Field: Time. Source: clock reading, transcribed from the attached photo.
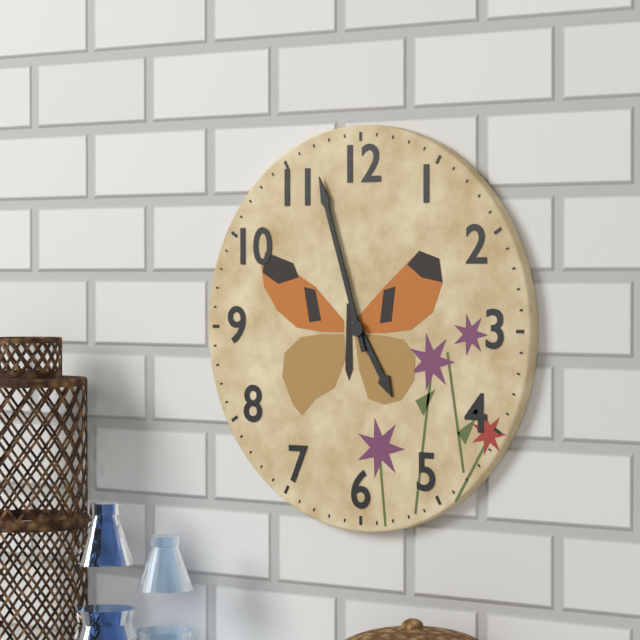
4:57
